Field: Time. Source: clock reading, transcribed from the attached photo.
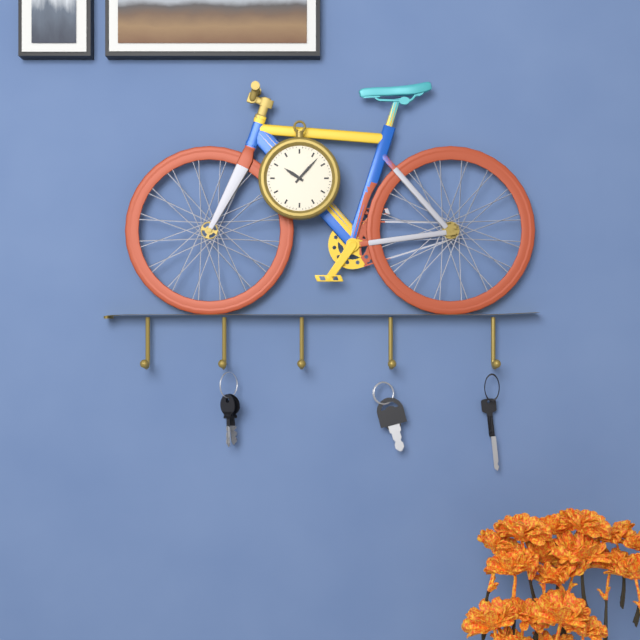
10:07
